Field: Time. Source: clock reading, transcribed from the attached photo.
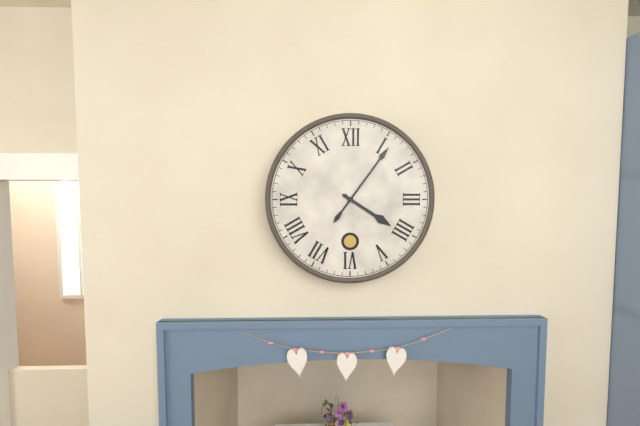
4:06
